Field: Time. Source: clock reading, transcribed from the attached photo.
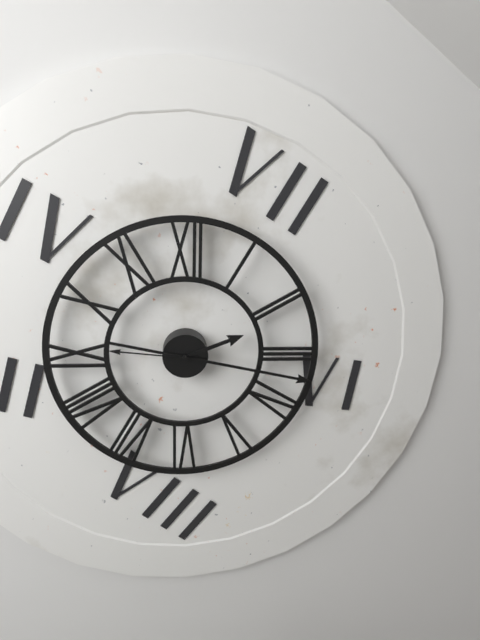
2:17:46
